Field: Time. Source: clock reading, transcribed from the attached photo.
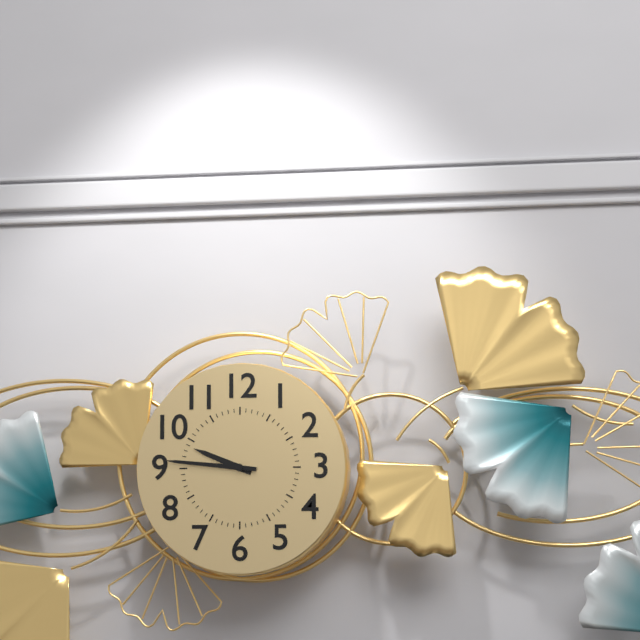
9:46
